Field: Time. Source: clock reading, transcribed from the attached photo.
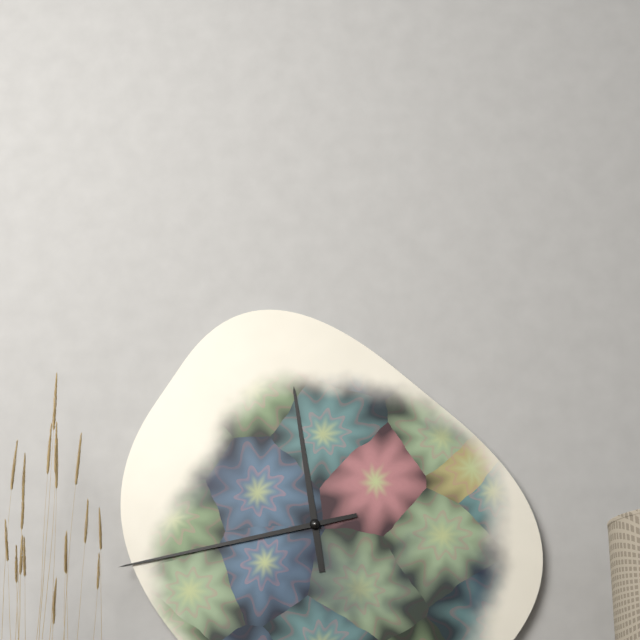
11:43
